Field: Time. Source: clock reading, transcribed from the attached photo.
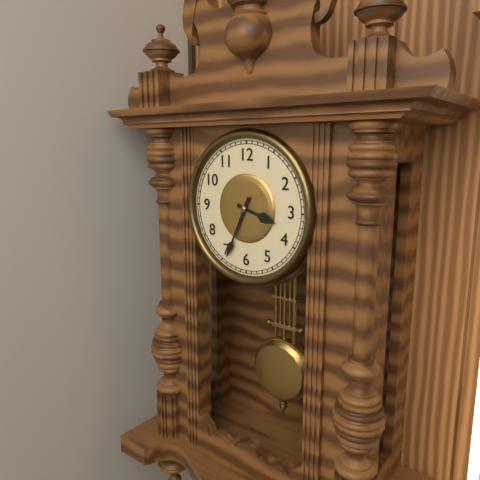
3:34
